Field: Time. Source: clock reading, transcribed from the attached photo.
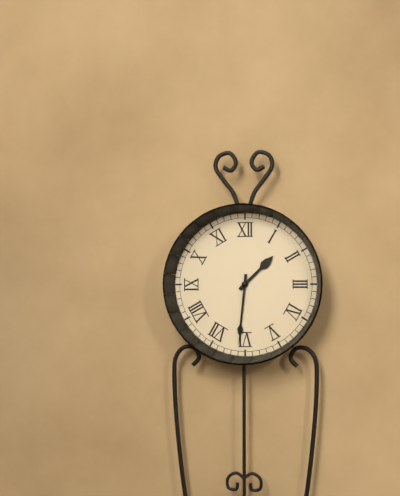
1:31
